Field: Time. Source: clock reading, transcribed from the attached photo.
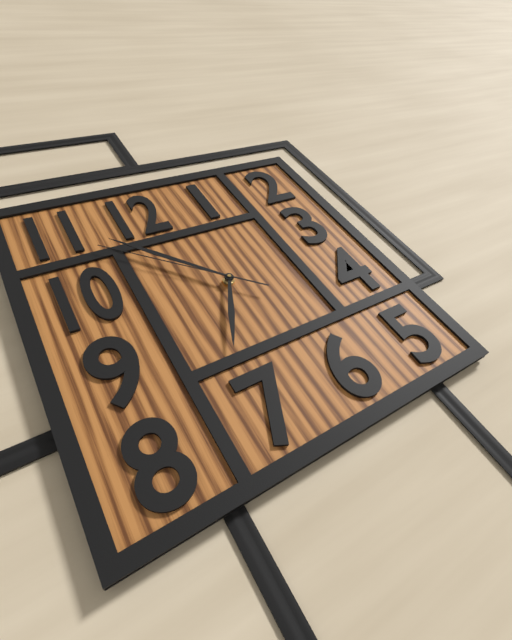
6:53:52
